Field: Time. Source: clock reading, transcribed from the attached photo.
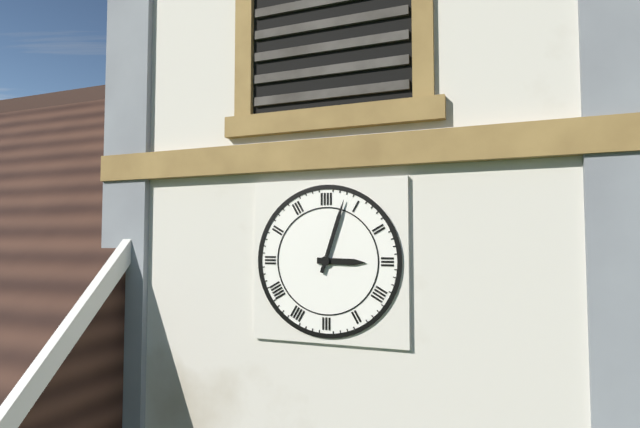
3:03
